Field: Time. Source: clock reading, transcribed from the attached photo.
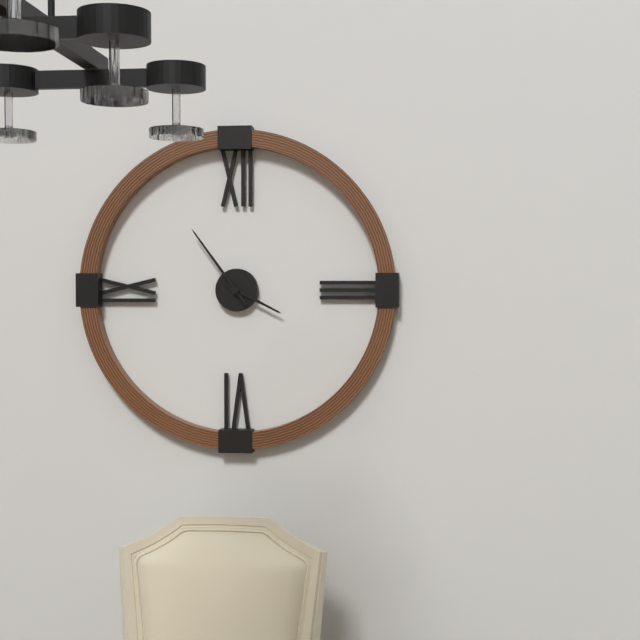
3:54
